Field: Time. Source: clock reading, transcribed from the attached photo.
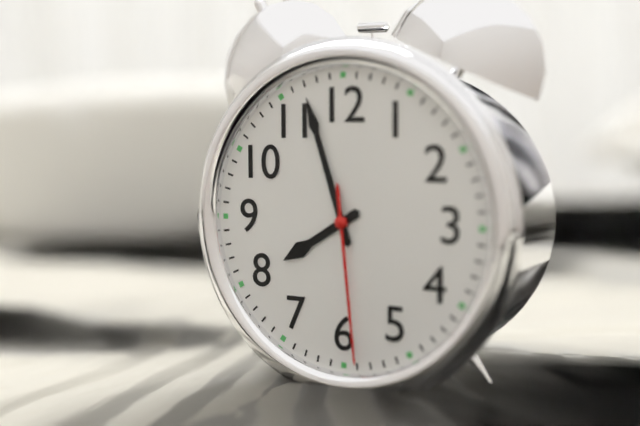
7:57:29
